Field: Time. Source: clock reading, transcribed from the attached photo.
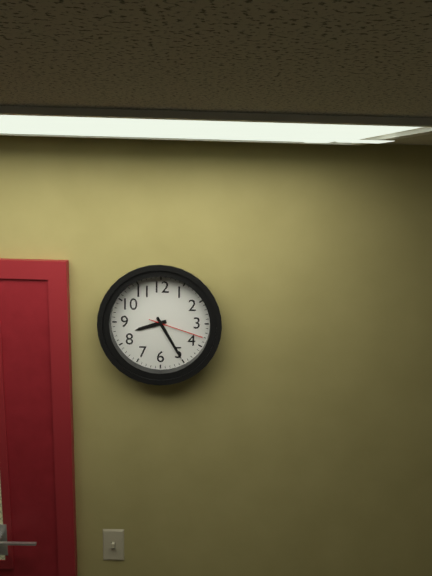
8:25:18
